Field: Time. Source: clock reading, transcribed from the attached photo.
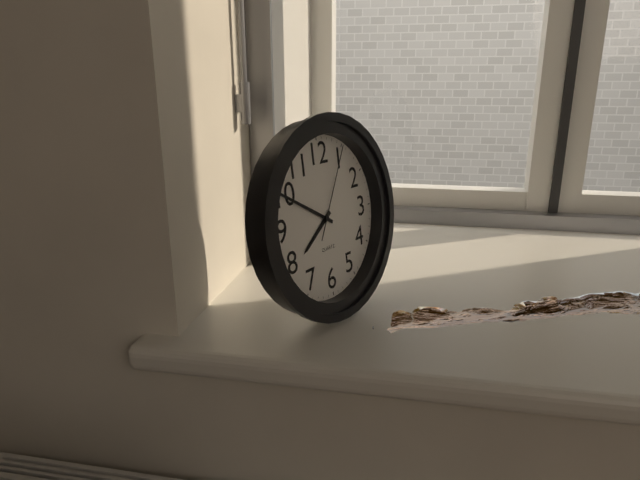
7:50:05
